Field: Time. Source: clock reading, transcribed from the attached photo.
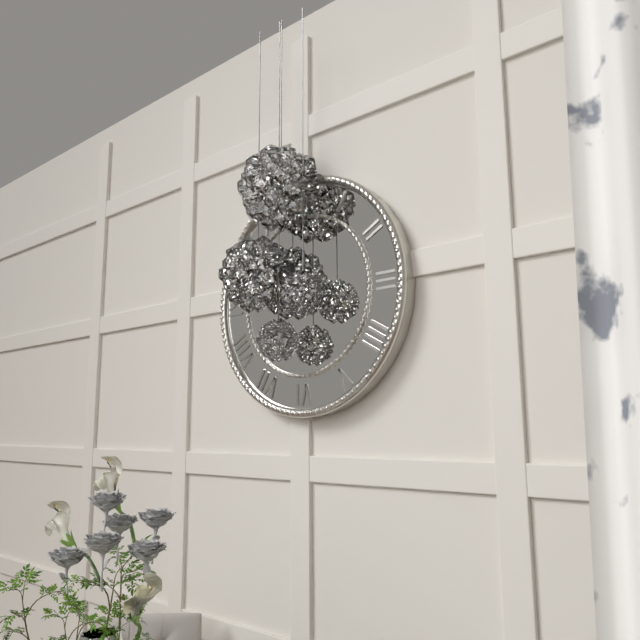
10:46
